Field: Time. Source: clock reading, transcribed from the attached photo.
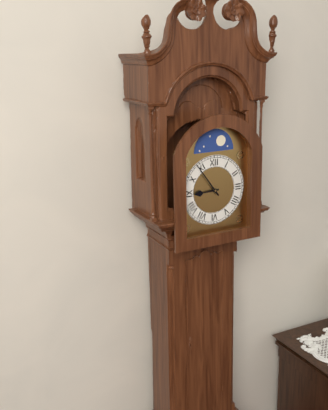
8:54
